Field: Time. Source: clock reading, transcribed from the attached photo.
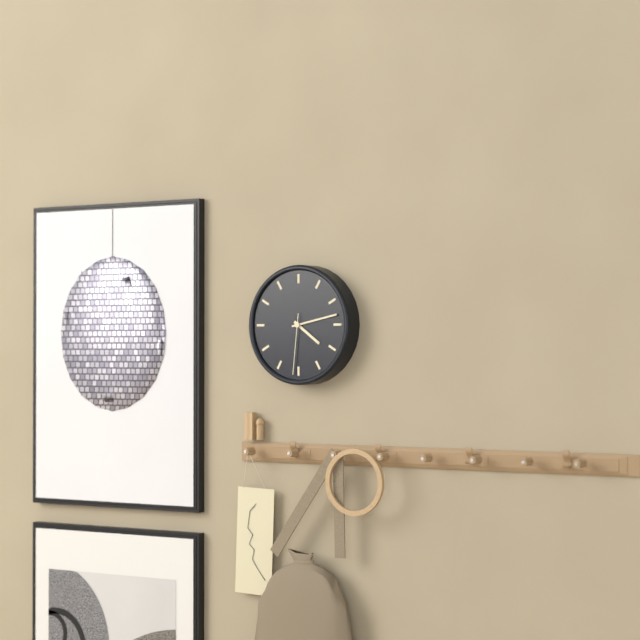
4:13:31
